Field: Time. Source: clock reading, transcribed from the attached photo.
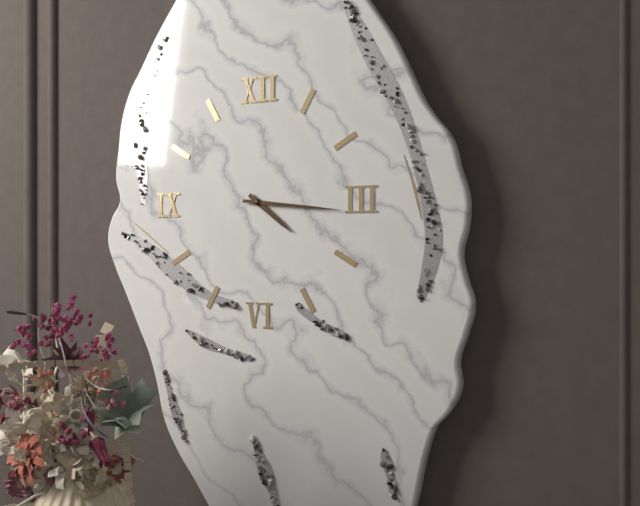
4:16
